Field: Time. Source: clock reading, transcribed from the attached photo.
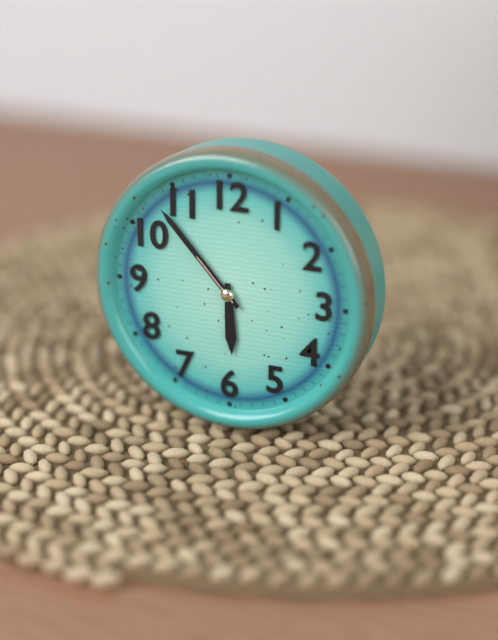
5:53:53
